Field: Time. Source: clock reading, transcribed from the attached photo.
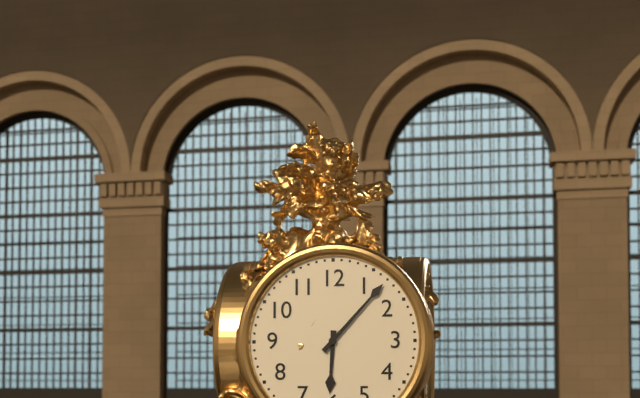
6:07
